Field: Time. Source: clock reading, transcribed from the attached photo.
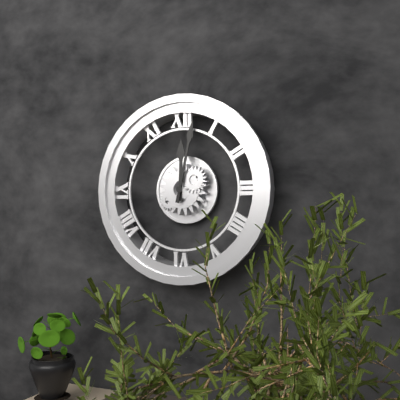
12:02
